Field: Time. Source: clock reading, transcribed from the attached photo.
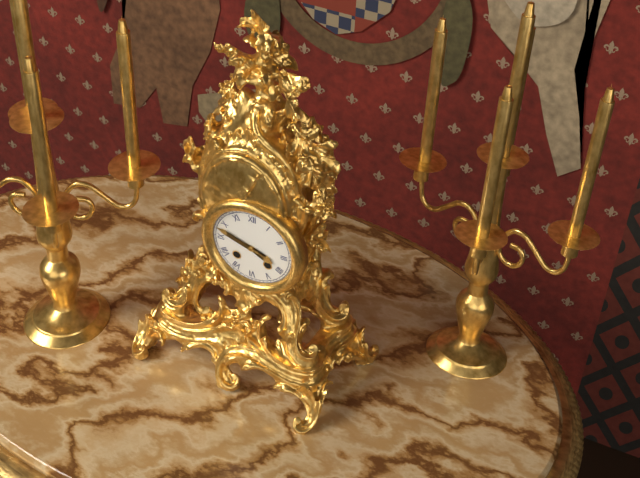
3:48
